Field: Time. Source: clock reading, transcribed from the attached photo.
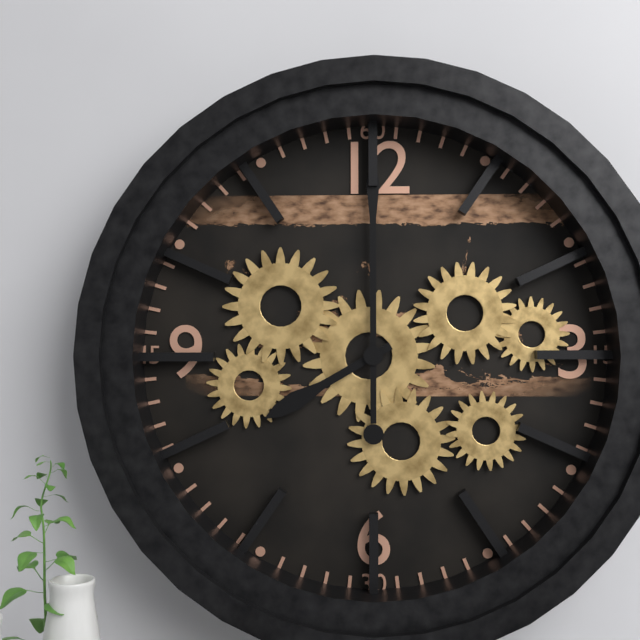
8:00
